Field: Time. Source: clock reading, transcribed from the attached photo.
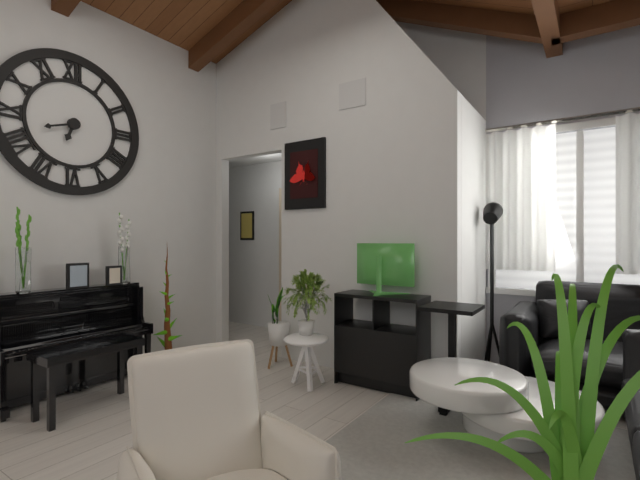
6:42
